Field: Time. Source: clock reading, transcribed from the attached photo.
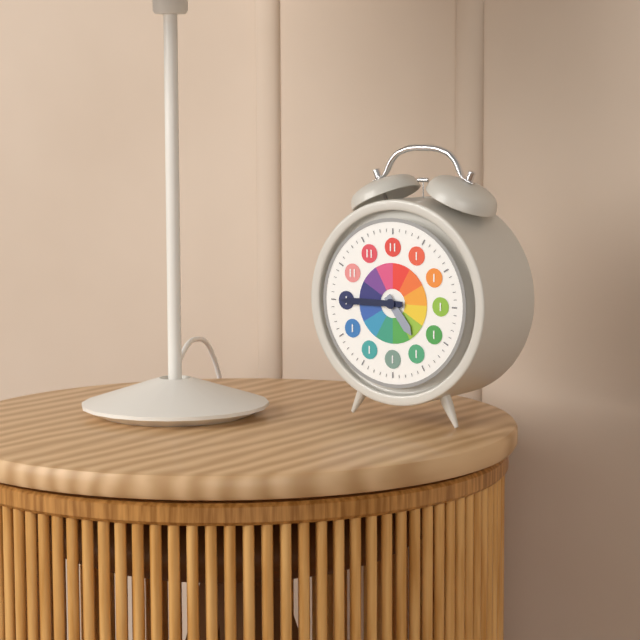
4:45
